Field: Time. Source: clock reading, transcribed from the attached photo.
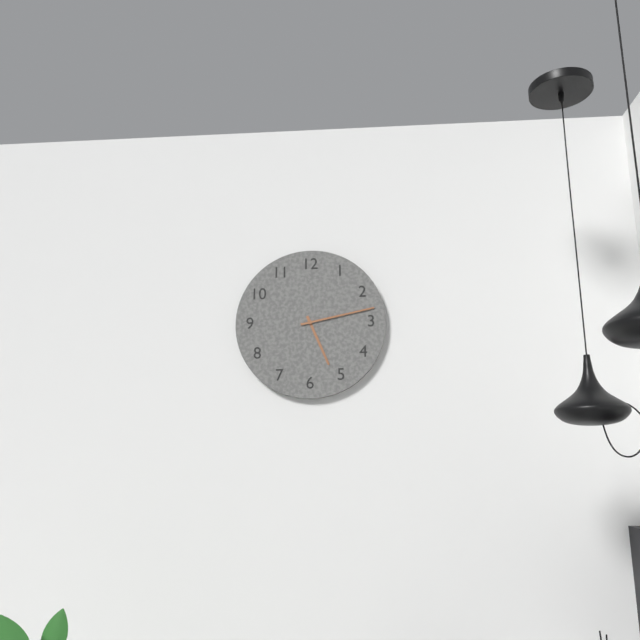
5:13
